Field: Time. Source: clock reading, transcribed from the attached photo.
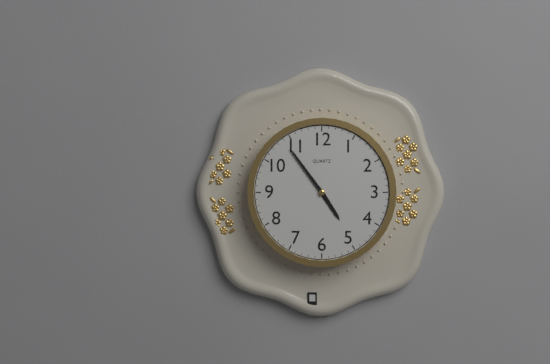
4:54
